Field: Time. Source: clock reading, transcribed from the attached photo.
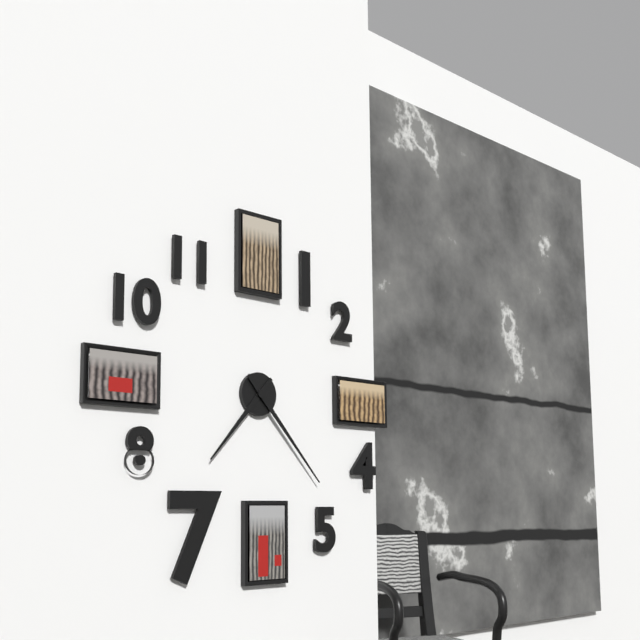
7:23
